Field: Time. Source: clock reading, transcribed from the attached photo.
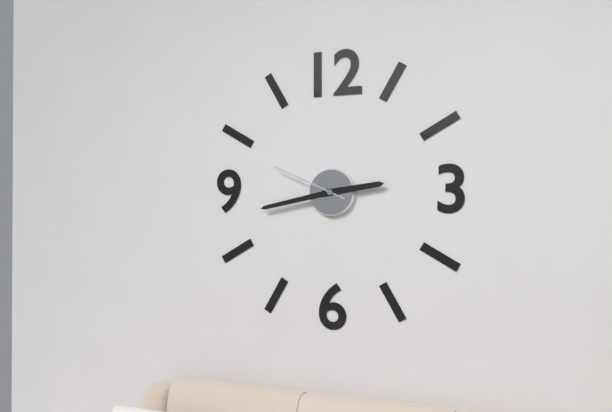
2:43:49
